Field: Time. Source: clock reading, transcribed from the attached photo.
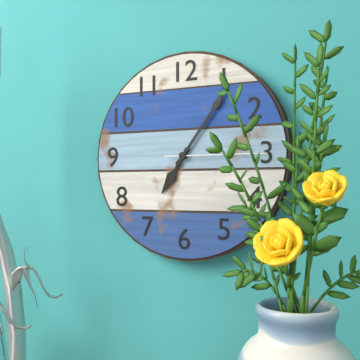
7:06:15
